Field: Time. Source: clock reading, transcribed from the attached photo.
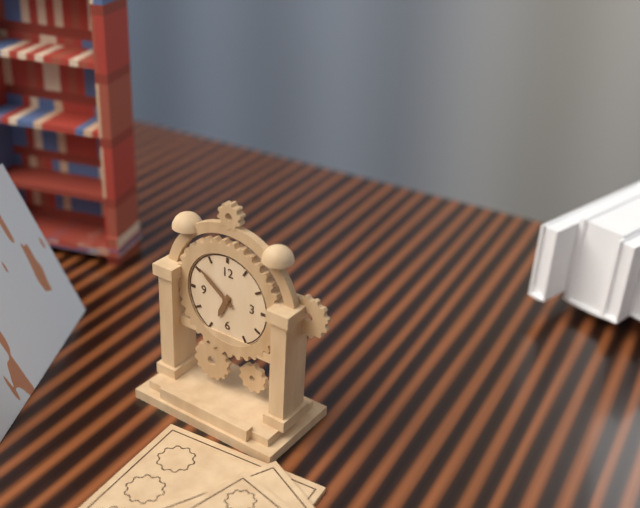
6:51
